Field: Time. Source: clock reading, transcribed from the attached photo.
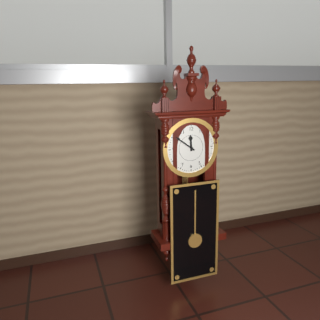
11:51
